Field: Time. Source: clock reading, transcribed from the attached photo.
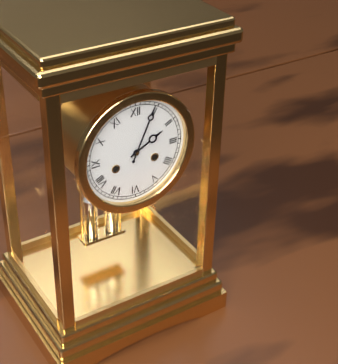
2:04
